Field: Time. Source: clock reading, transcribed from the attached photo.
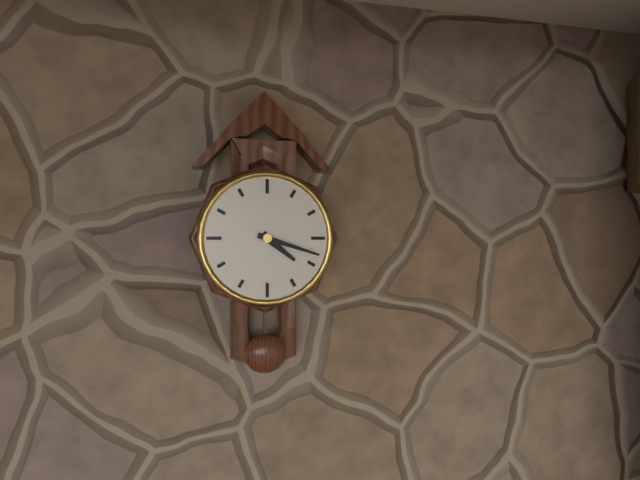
4:18
